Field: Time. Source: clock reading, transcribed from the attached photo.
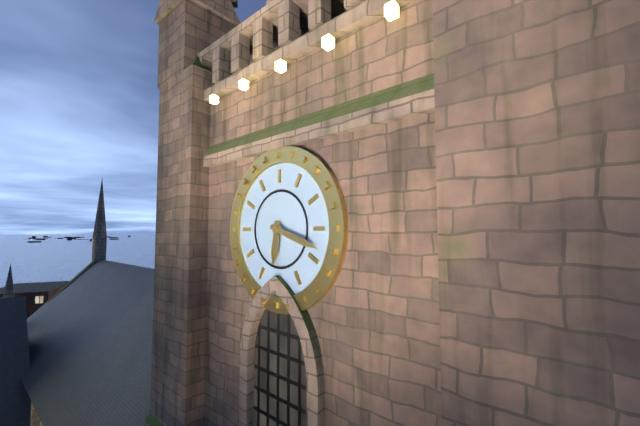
6:18
